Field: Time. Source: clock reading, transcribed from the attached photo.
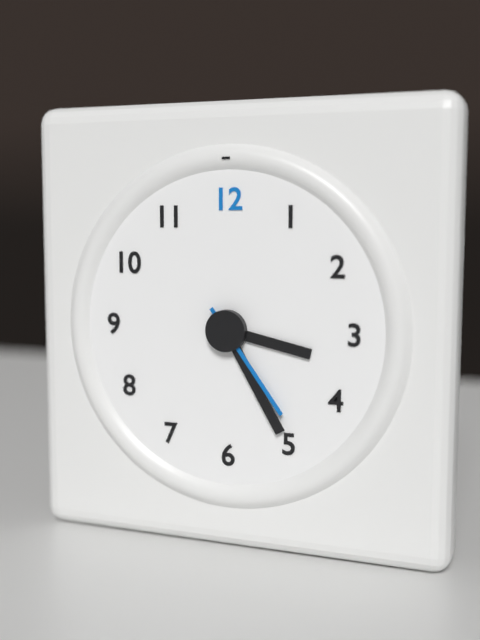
3:25:24
